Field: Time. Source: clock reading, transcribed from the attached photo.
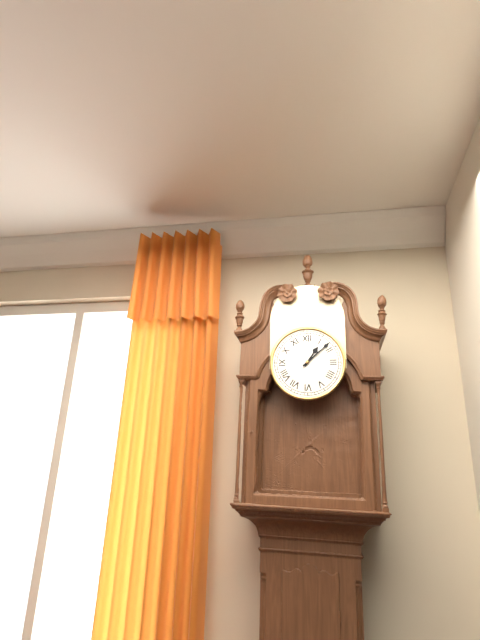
1:08
